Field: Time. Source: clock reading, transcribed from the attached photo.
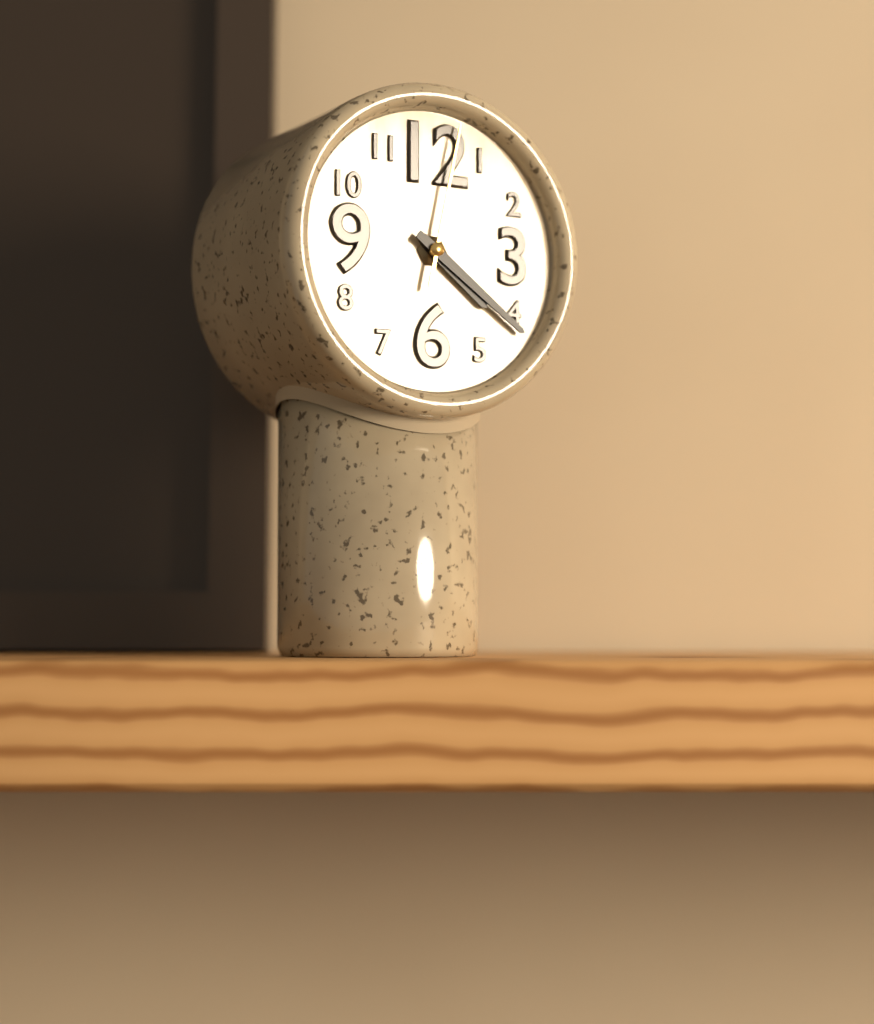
4:21:02
